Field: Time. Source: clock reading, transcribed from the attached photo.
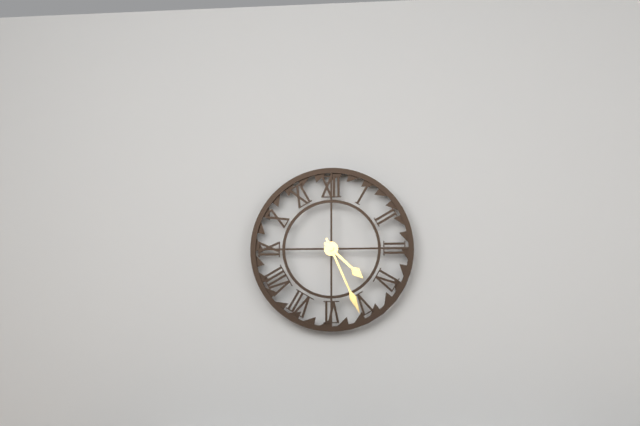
4:26
